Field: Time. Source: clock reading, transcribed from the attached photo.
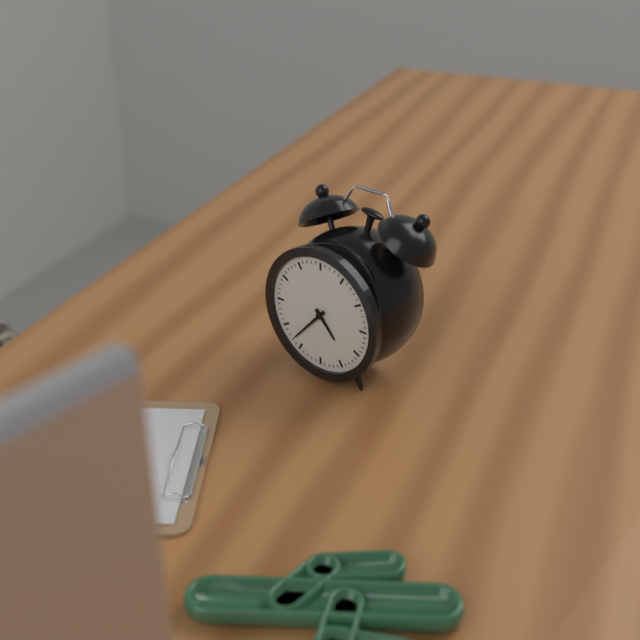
4:37
